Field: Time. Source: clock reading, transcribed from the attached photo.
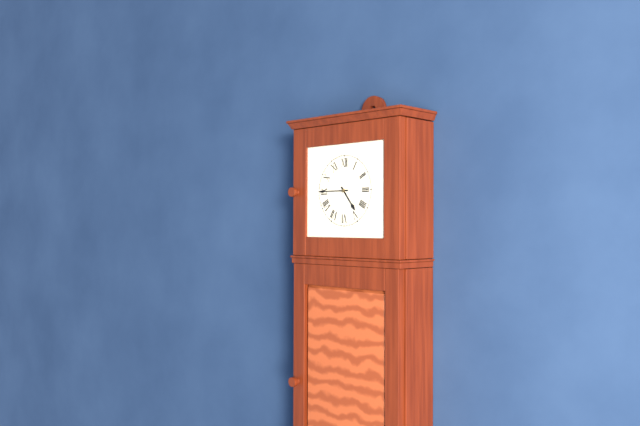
4:45
